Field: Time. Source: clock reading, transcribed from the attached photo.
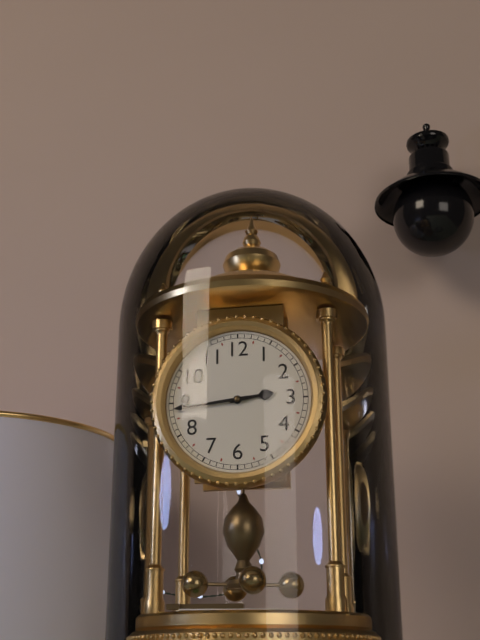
2:44
